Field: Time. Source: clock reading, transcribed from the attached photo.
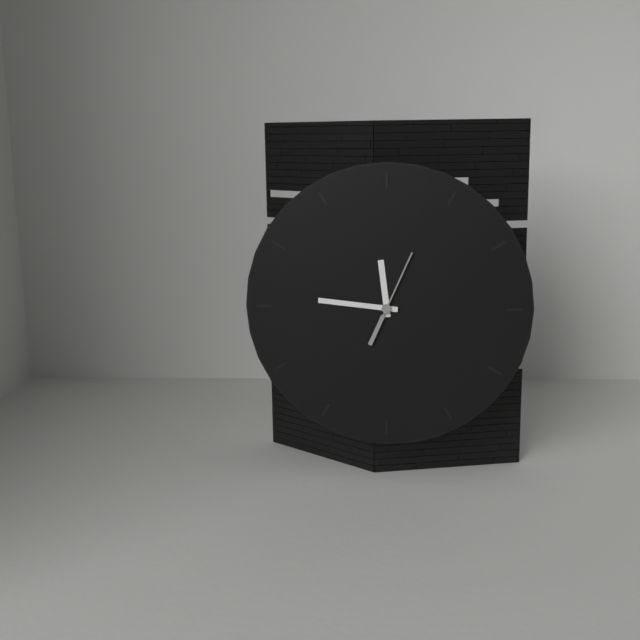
11:46:04
